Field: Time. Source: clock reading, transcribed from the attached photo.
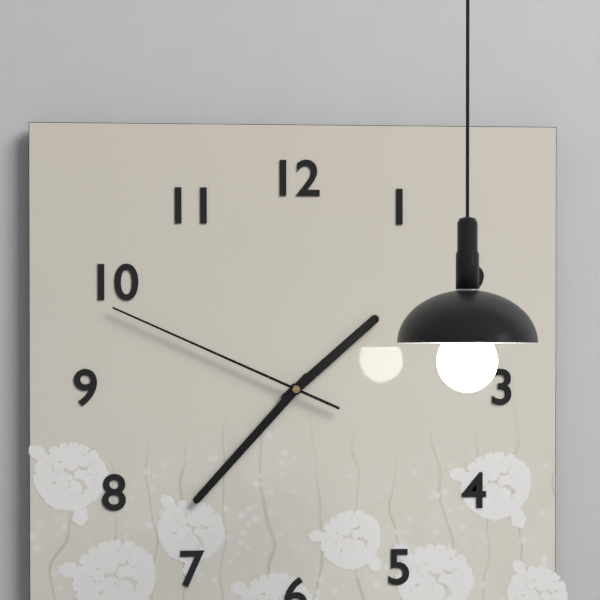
1:37:49
